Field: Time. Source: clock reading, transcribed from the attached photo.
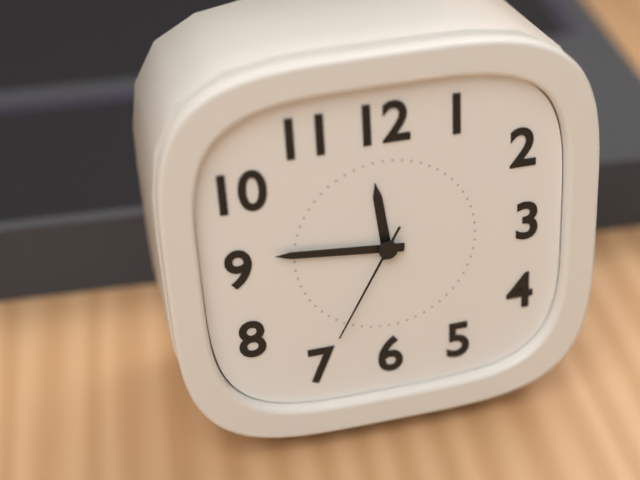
11:46:35
